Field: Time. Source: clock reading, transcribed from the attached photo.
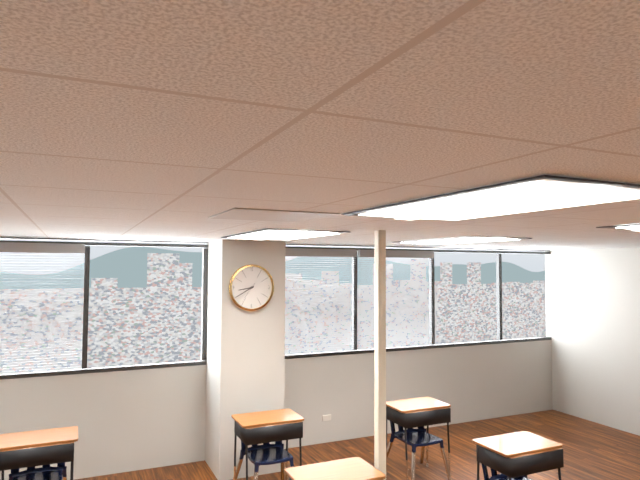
8:40
